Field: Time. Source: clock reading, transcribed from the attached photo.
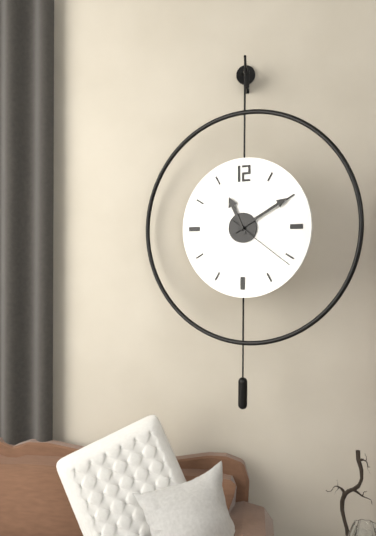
11:10:21
